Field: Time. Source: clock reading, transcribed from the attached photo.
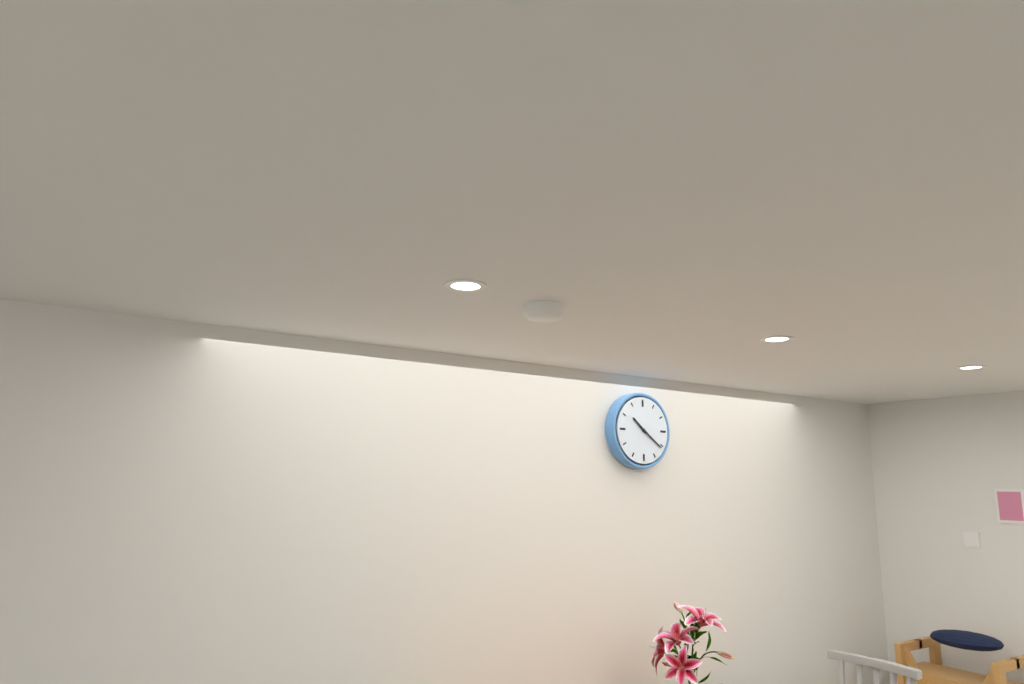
10:21
